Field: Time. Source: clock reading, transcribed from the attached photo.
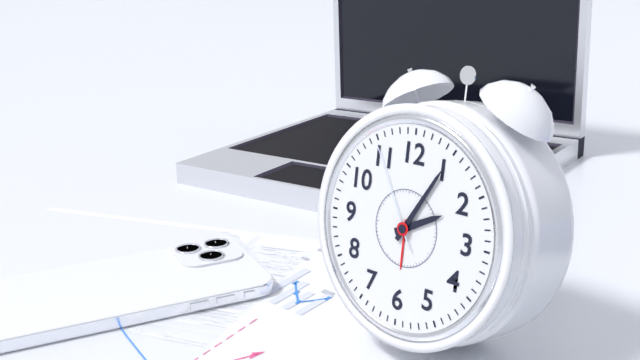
2:05:55
